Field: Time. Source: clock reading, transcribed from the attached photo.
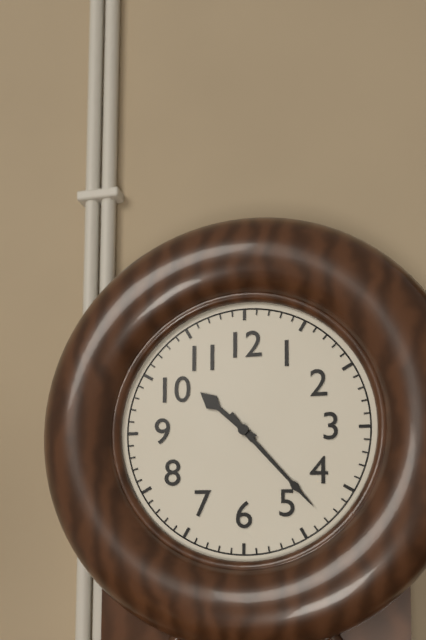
10:23
